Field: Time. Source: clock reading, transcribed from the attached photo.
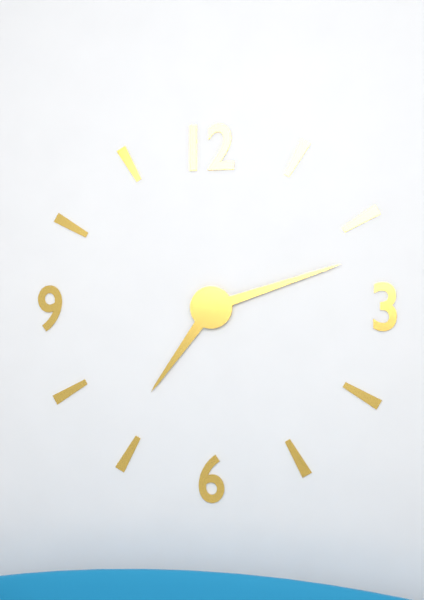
7:12
